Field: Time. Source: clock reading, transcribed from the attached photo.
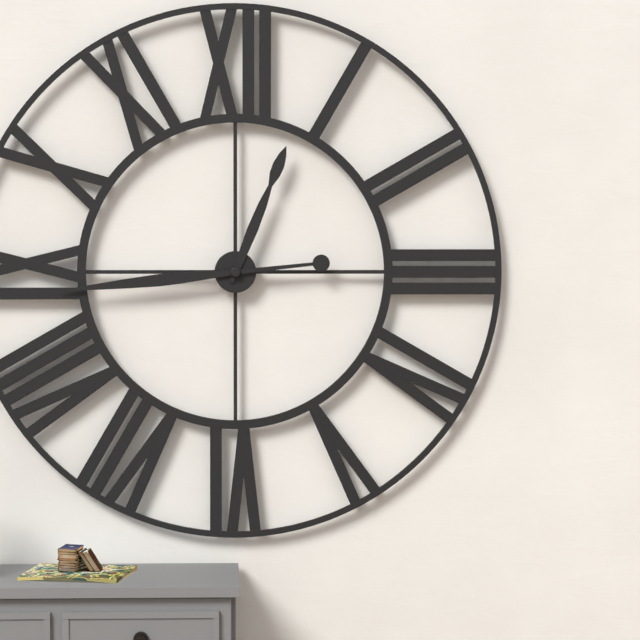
12:44
